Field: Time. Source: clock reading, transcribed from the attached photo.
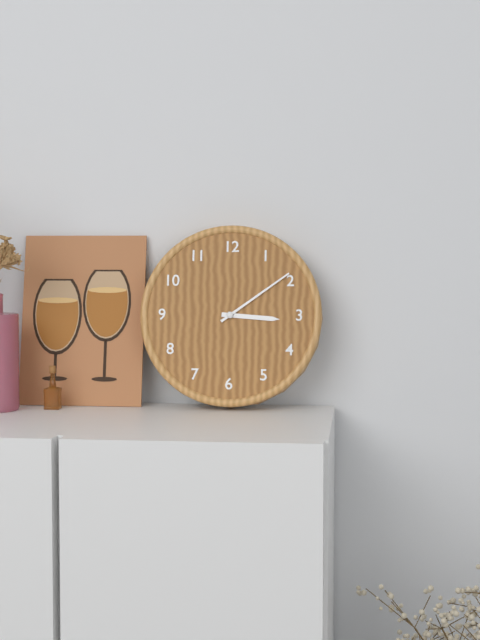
3:09
